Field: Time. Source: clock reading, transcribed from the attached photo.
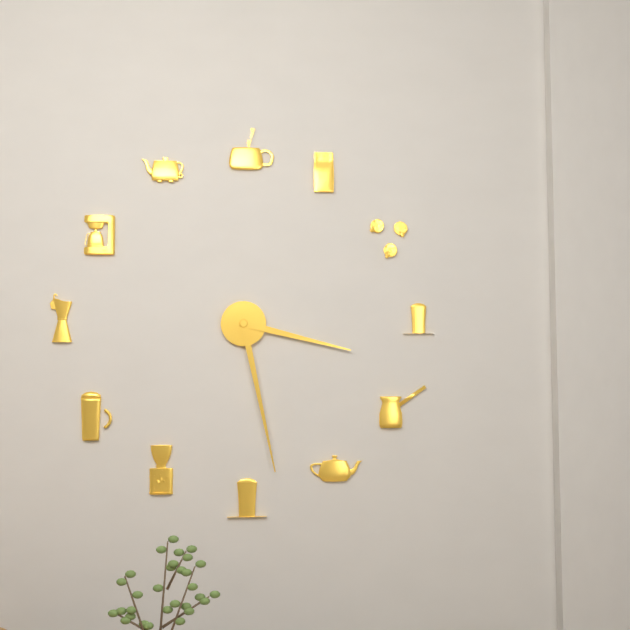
3:28
